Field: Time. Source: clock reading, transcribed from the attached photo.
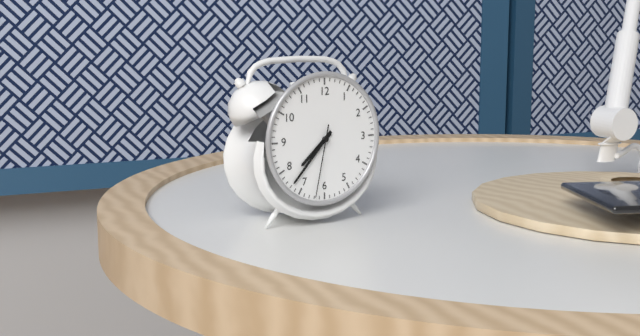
7:37:32
